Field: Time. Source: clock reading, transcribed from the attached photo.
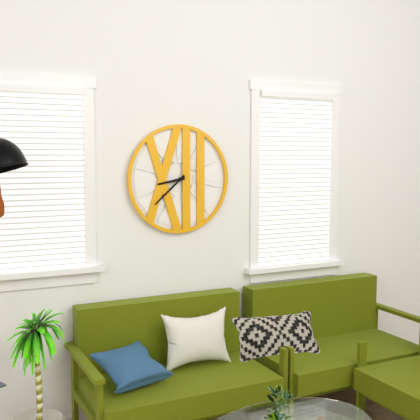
8:38
